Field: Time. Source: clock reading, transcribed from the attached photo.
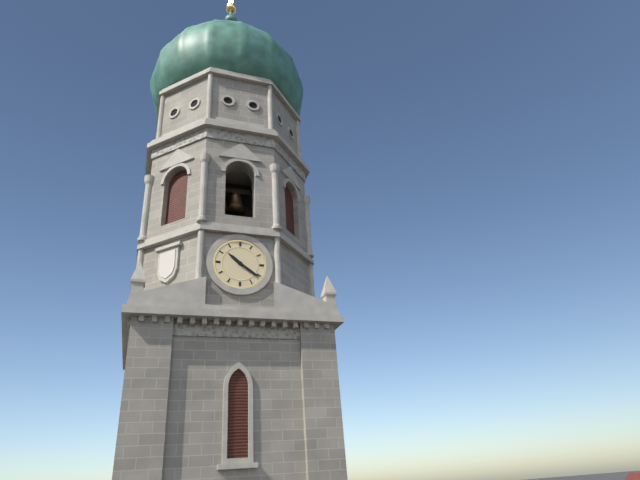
10:21
